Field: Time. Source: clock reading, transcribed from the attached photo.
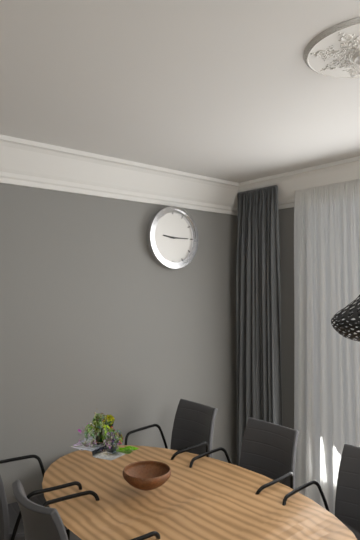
9:15
